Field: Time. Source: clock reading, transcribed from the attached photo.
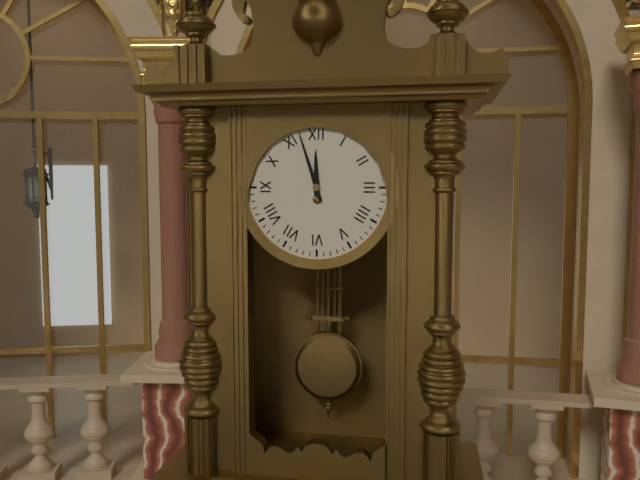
11:57
